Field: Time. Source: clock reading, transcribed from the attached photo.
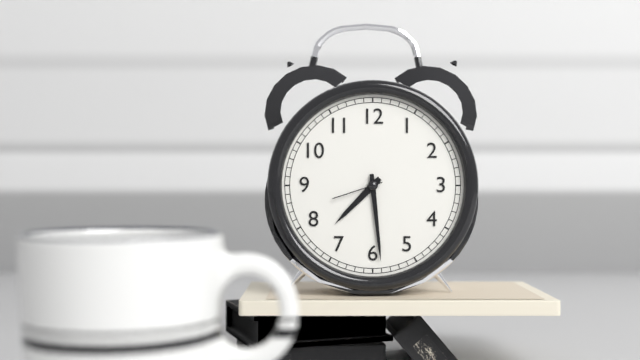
7:29:42
